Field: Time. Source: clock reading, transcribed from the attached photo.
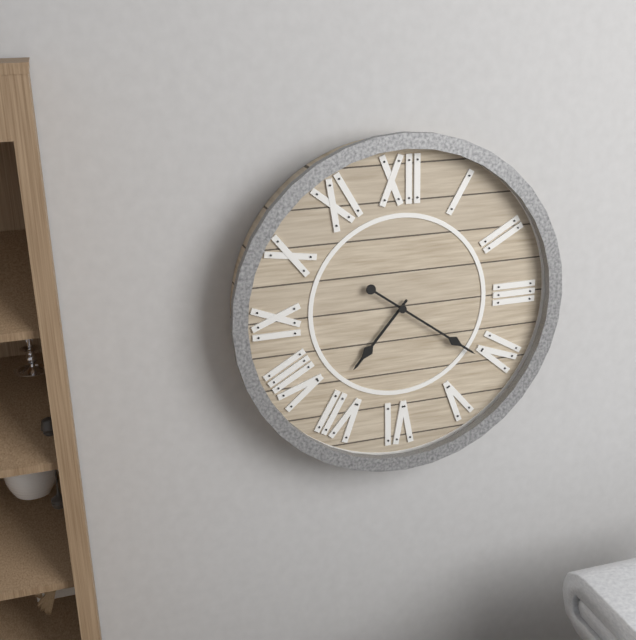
7:21
